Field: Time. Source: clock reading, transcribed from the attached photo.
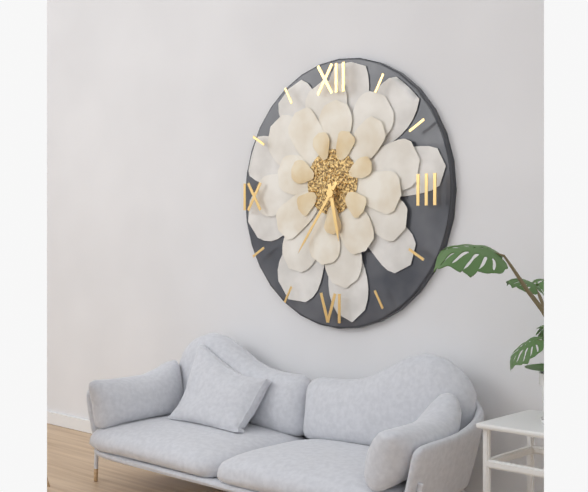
5:36
